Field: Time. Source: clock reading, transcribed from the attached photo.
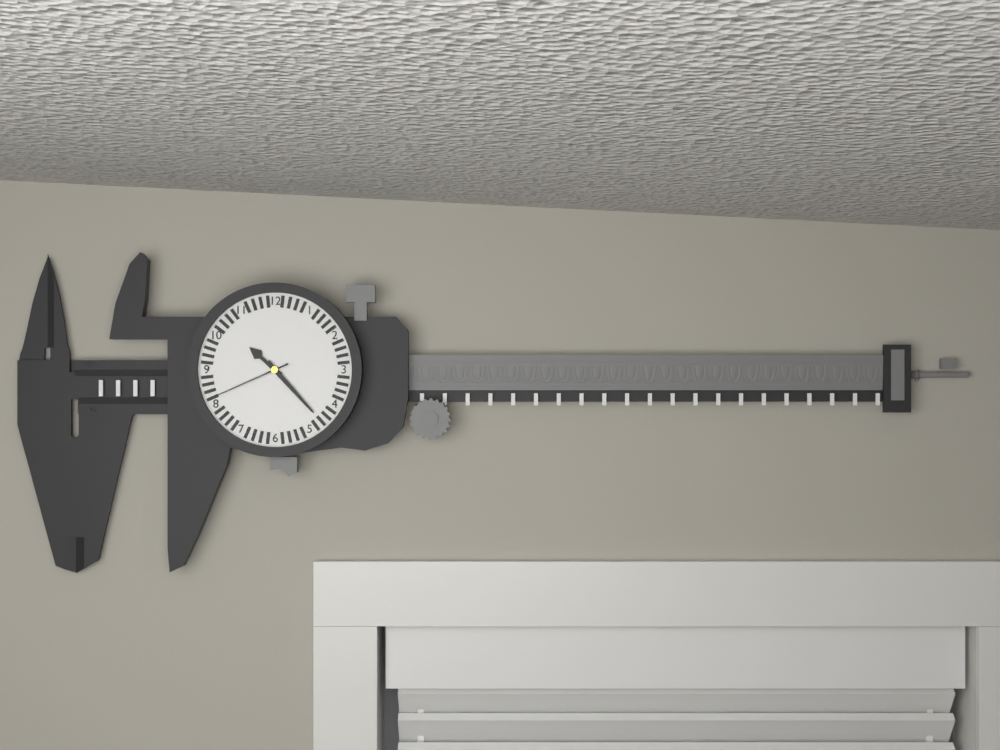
10:23:41
